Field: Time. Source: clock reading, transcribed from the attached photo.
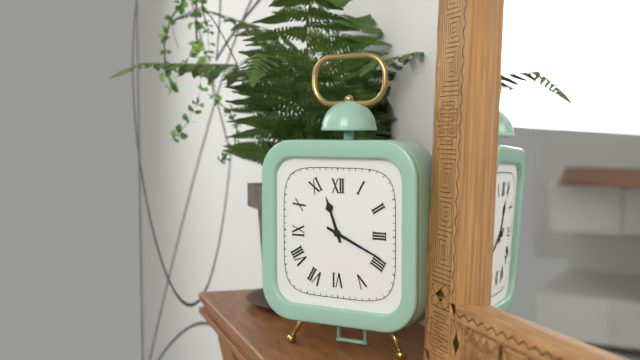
11:19
